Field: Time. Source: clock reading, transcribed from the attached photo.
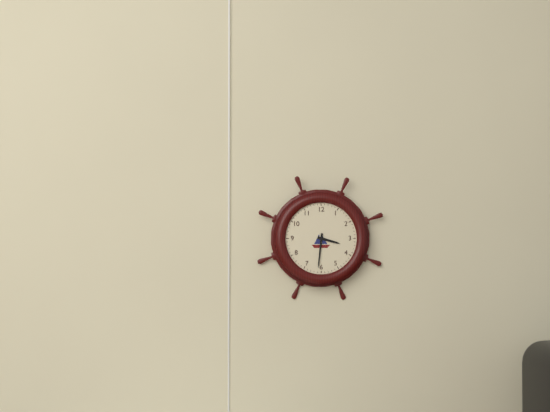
3:31
